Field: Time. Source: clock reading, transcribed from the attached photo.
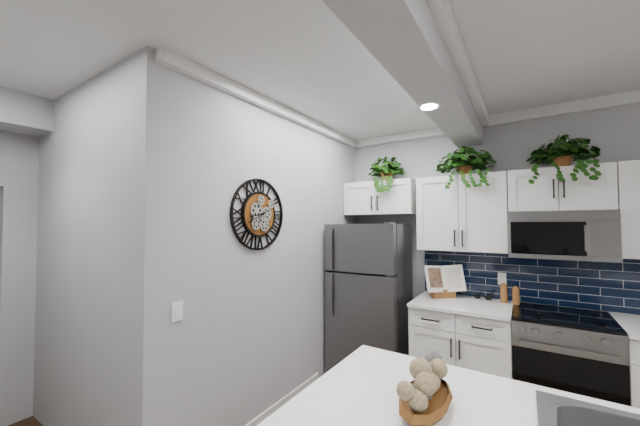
8:41
